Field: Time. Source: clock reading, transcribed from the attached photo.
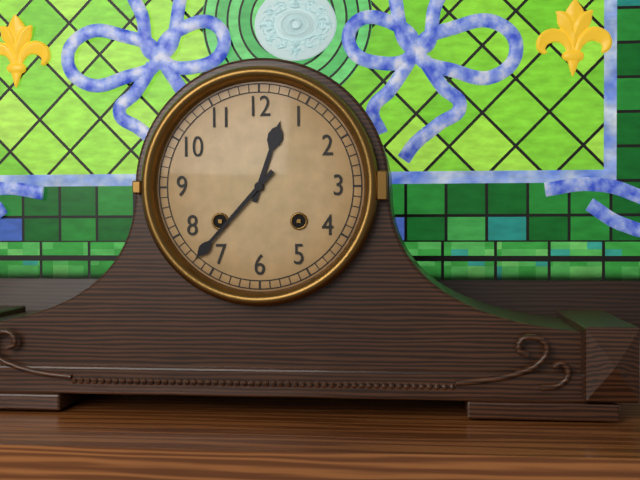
12:37
